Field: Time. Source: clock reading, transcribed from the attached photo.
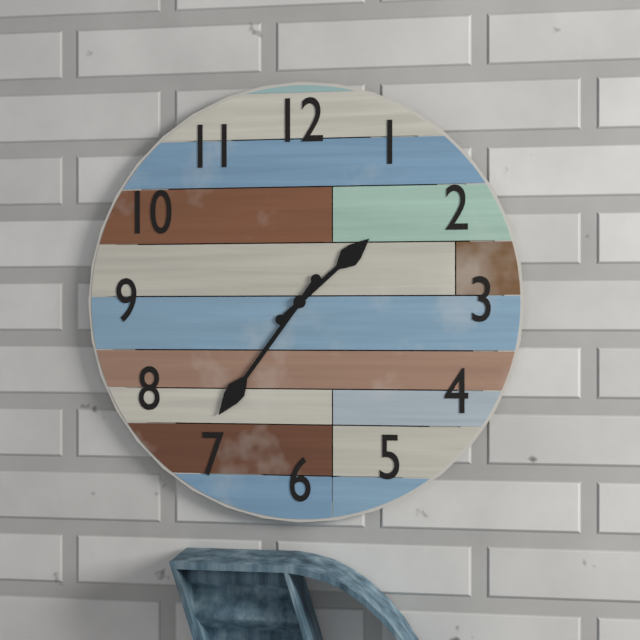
1:36
